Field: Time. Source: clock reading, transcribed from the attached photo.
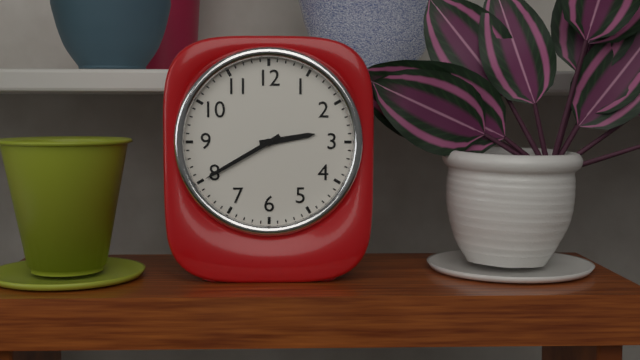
2:40
